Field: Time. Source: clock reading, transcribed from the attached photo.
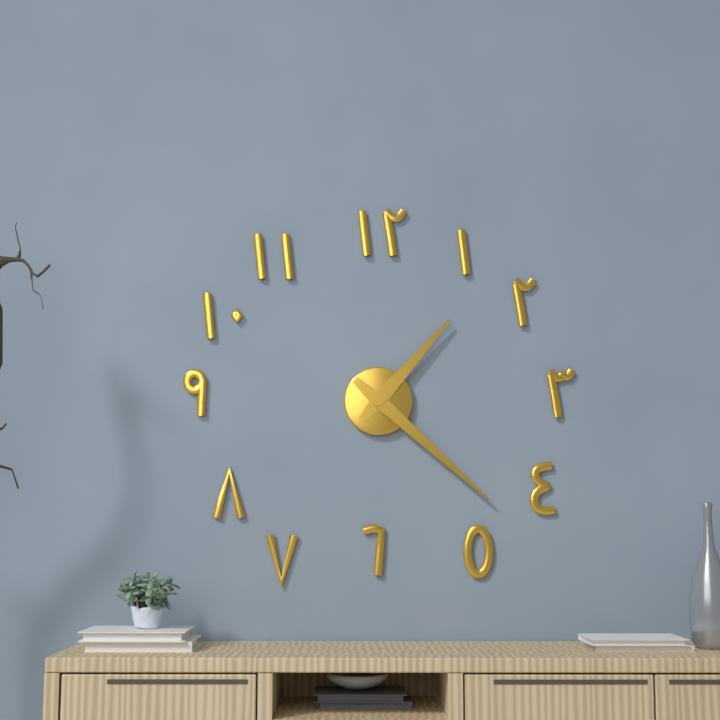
1:22
